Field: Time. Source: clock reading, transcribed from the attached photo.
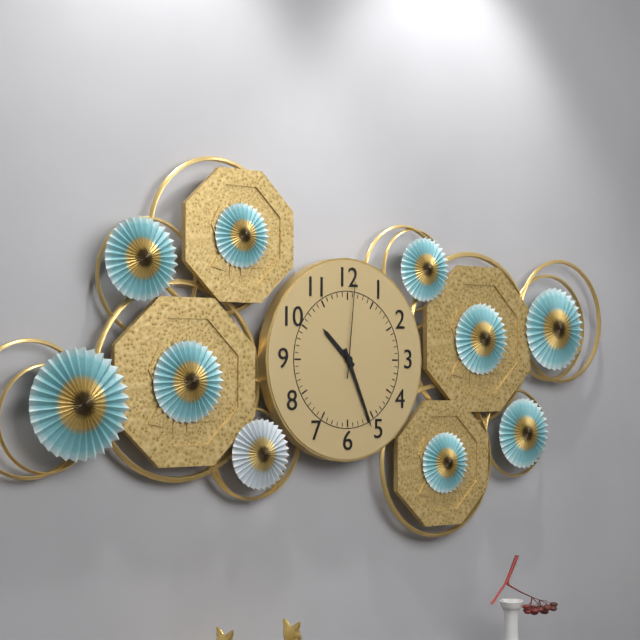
10:26:01
